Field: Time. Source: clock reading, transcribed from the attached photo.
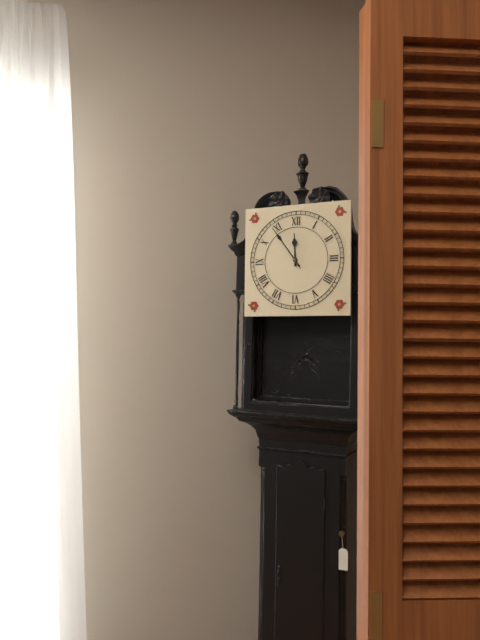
11:54
